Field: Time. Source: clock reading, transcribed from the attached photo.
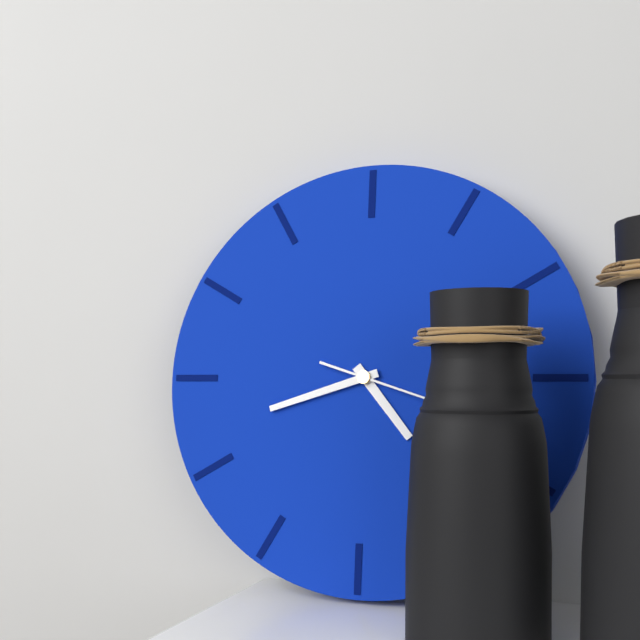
4:42
